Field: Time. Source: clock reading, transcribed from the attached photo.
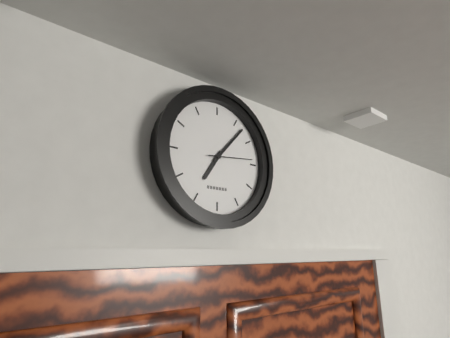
7:07
